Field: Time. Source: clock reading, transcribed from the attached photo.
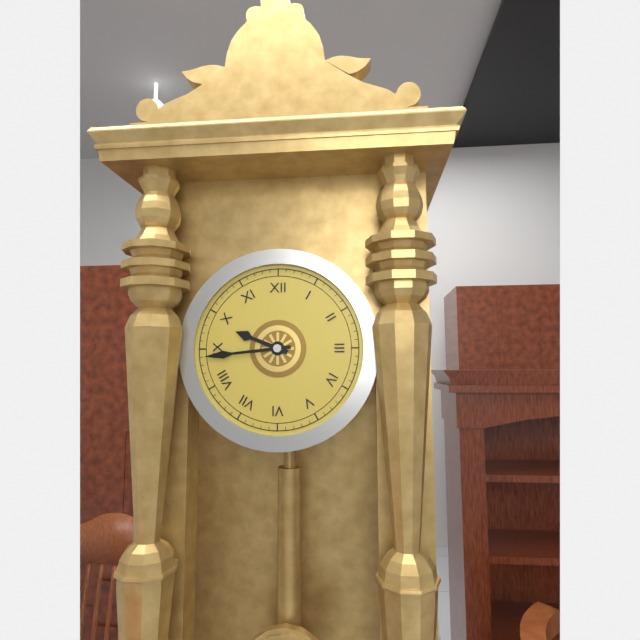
9:44
